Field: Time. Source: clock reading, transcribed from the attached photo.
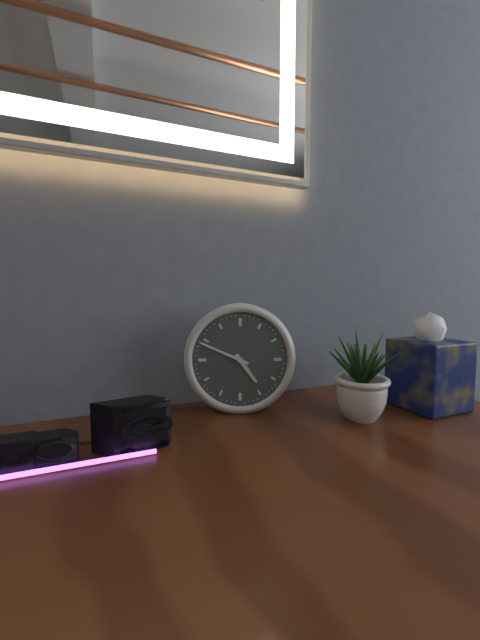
4:49
